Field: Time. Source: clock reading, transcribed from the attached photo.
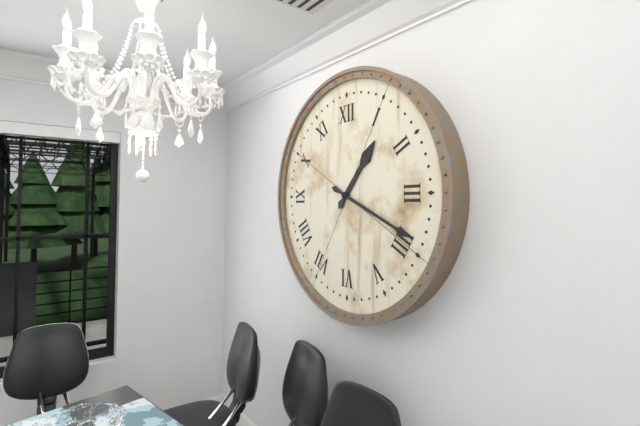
1:19
